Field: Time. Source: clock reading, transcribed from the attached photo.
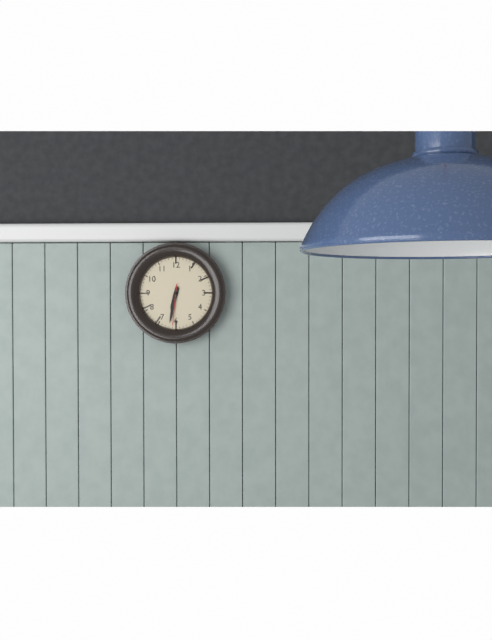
6:32
